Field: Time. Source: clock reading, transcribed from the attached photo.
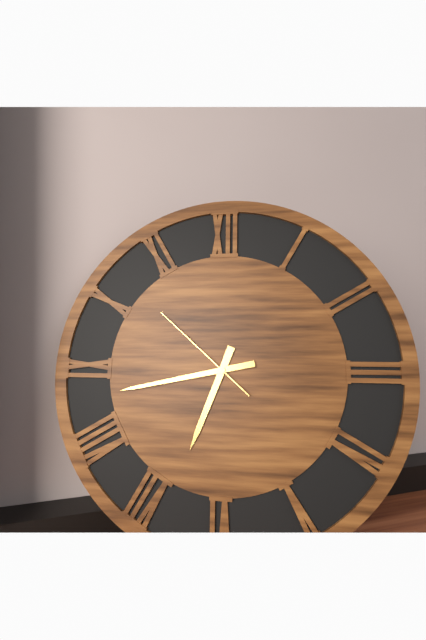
6:43:52
